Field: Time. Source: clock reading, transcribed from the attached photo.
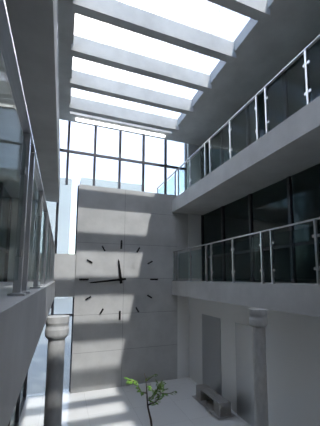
11:44
